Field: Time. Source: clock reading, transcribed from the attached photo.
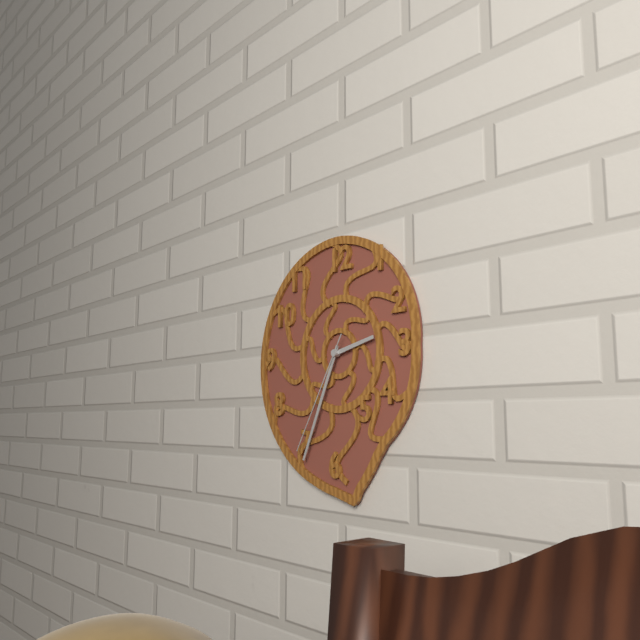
2:34:35
